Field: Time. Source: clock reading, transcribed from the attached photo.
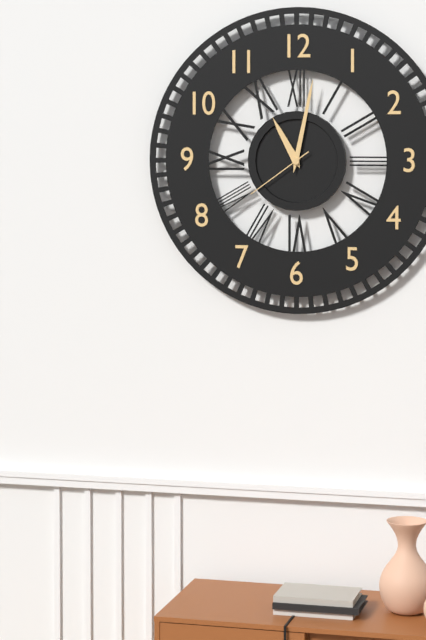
11:02:39
